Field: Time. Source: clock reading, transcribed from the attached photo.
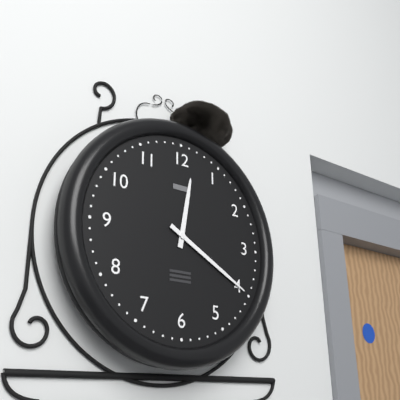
12:20
